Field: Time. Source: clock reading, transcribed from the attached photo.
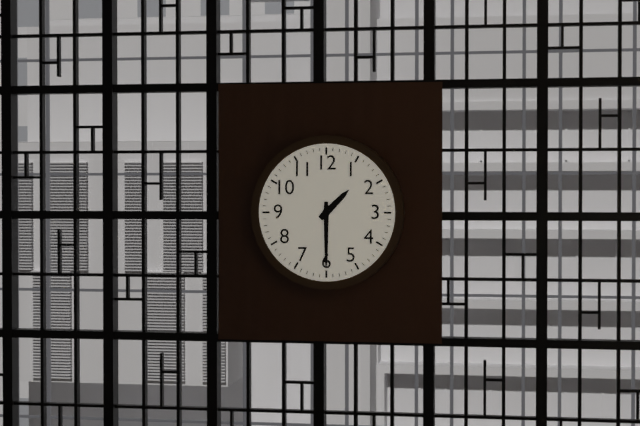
1:30
